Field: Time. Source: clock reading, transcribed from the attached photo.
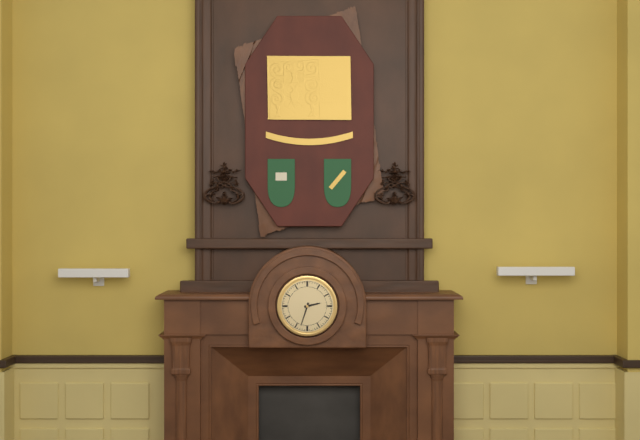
2:33
